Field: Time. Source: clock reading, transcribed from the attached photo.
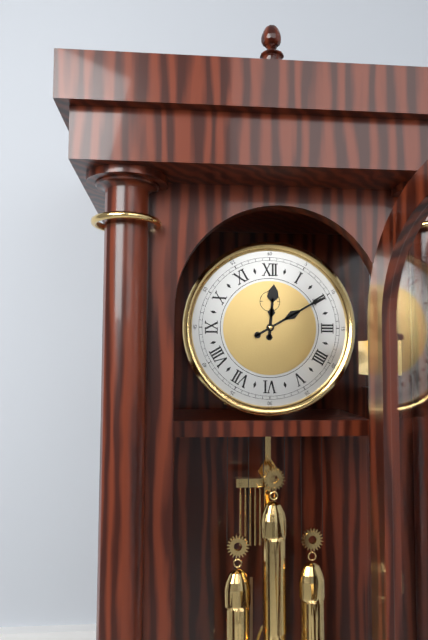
12:10
